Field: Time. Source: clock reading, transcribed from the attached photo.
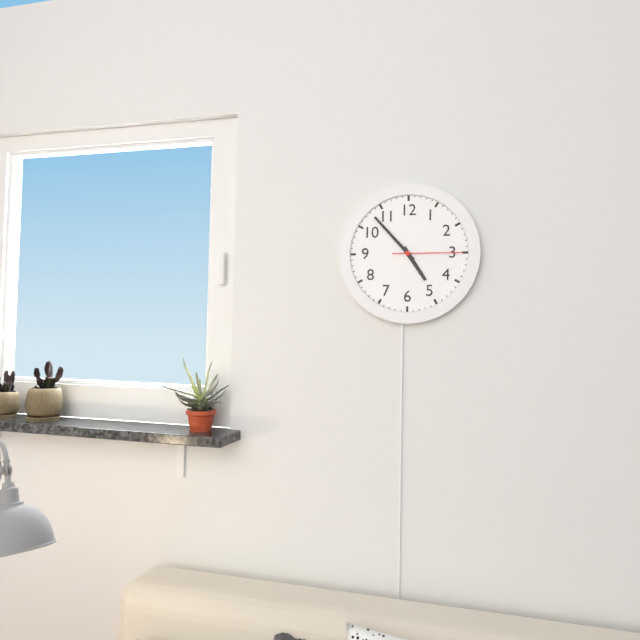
4:53:15
